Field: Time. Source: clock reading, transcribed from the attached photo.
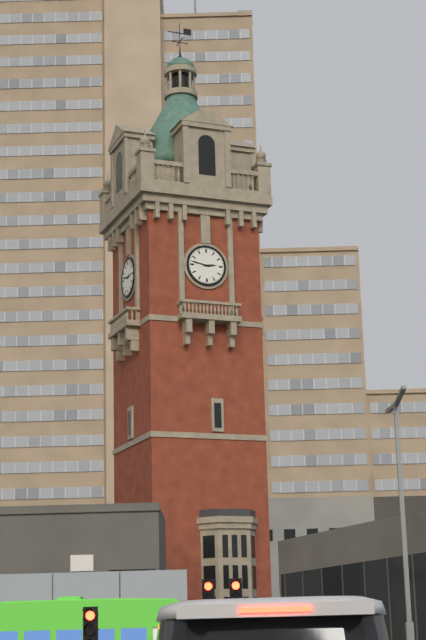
2:47
